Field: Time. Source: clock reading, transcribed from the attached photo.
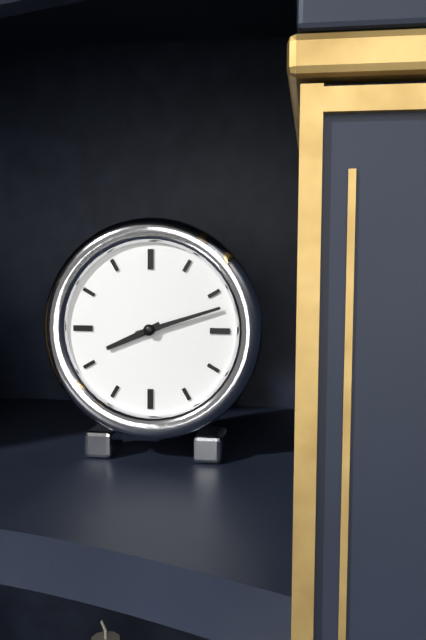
8:12
